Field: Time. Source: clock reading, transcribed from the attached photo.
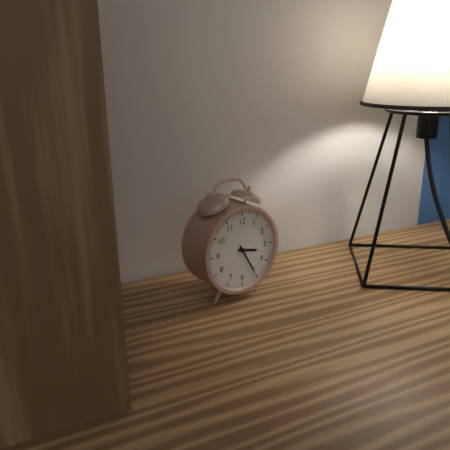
3:25
